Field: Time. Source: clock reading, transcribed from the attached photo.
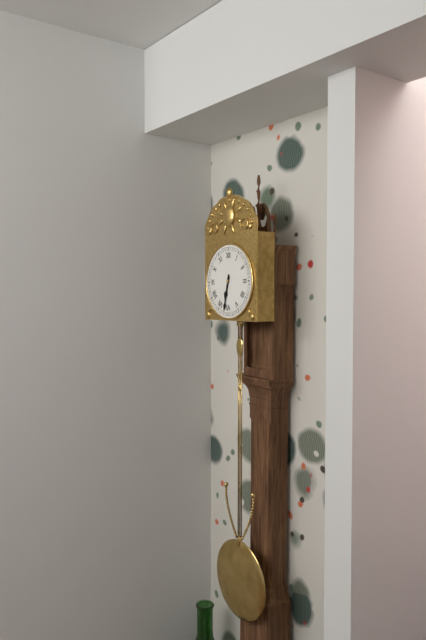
6:32
